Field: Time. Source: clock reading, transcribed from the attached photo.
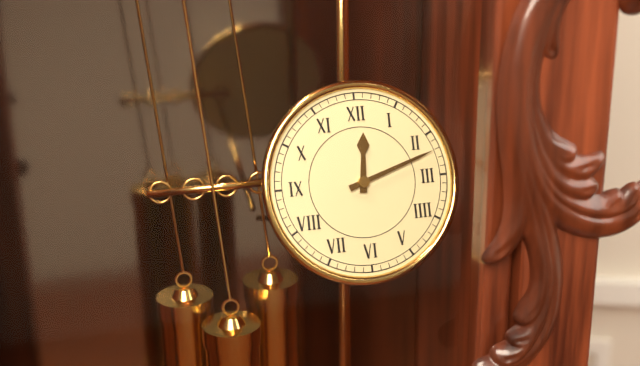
12:12
